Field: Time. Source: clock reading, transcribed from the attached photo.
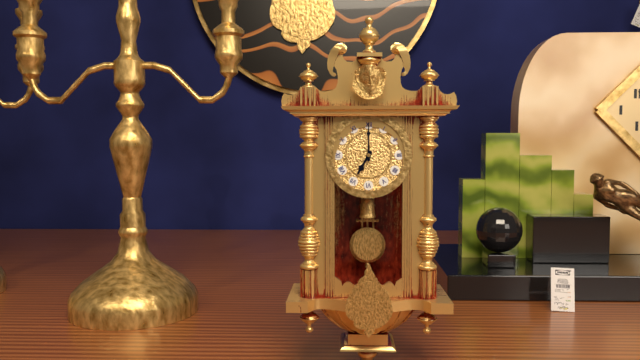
7:00
